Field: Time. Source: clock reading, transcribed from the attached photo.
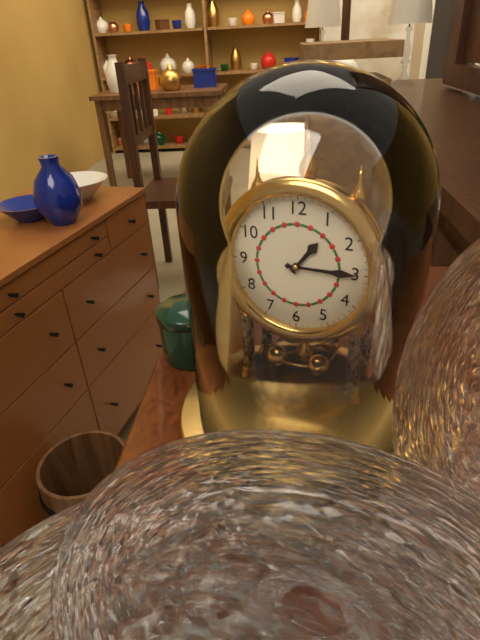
1:15
